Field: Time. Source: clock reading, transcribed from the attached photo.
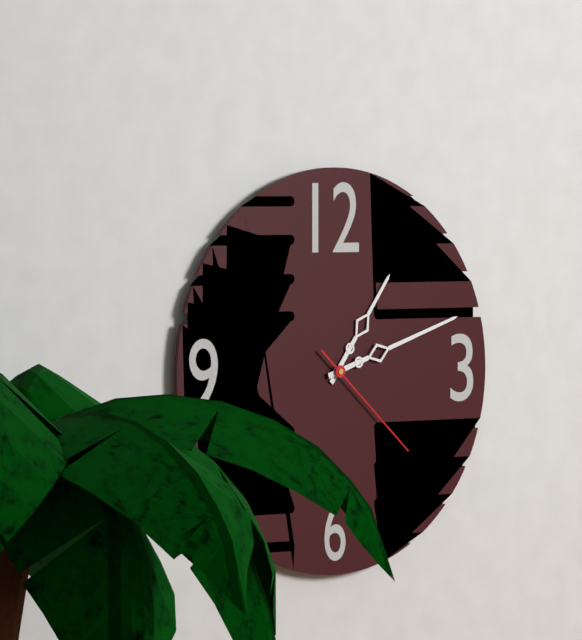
1:12:22
